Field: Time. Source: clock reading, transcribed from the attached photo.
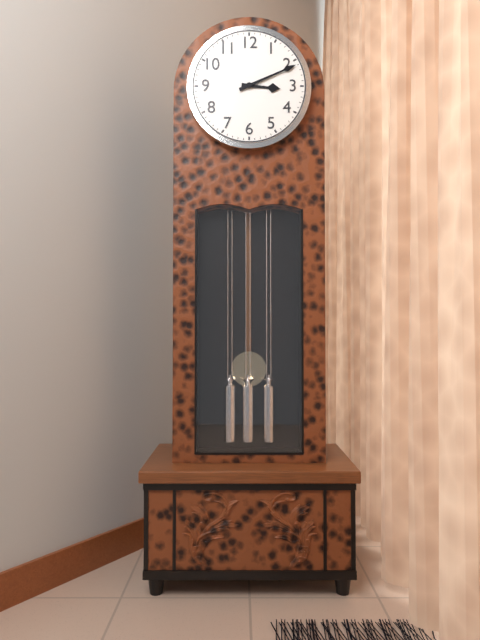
3:11
